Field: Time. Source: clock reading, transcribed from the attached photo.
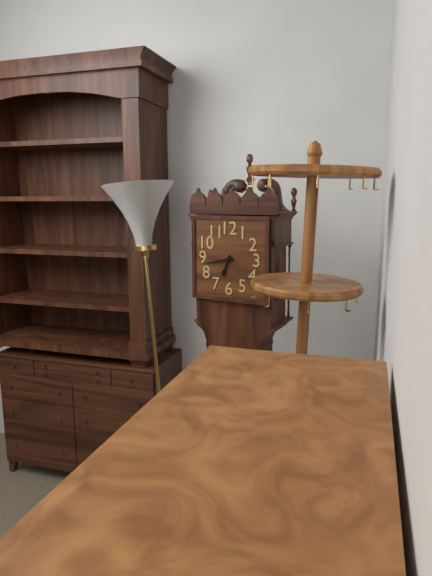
6:43
